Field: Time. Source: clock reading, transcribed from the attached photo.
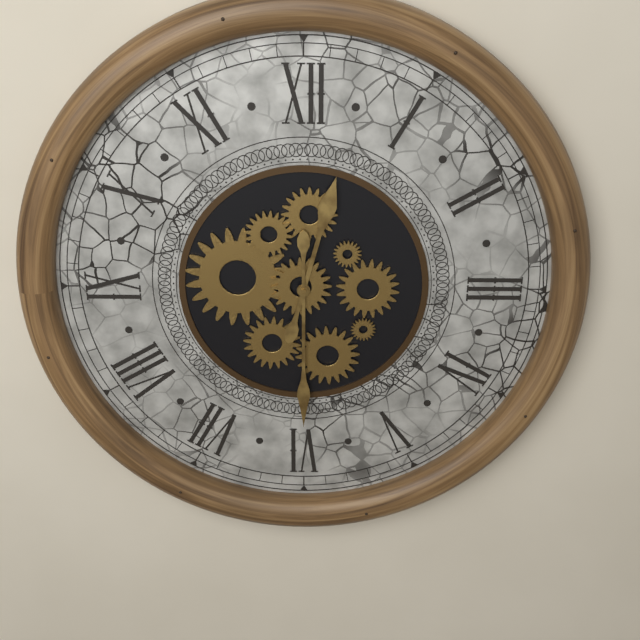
12:30
